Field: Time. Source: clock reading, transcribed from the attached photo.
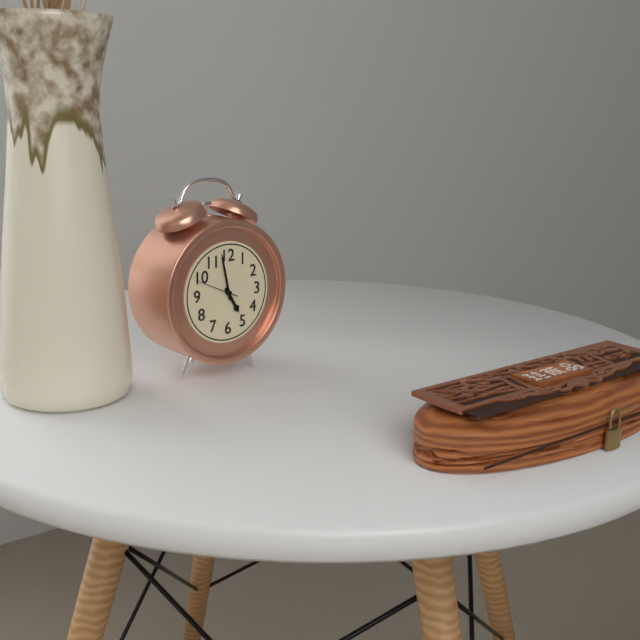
4:58
